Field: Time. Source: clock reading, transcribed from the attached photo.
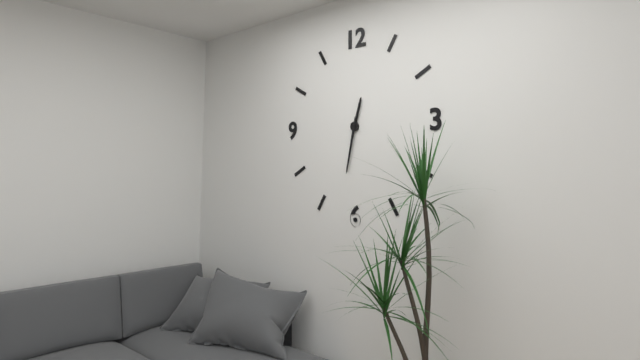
12:32
